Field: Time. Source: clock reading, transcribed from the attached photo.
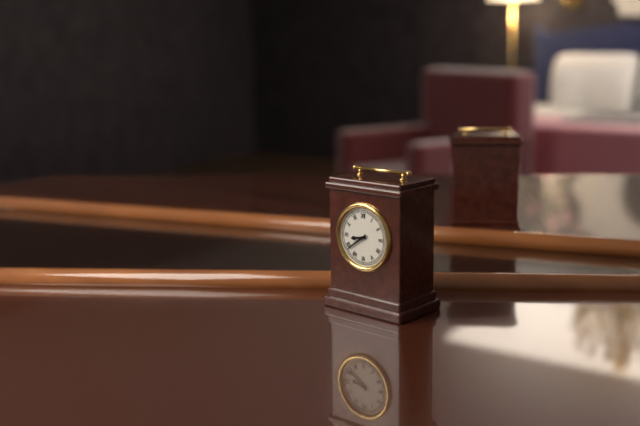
8:39
